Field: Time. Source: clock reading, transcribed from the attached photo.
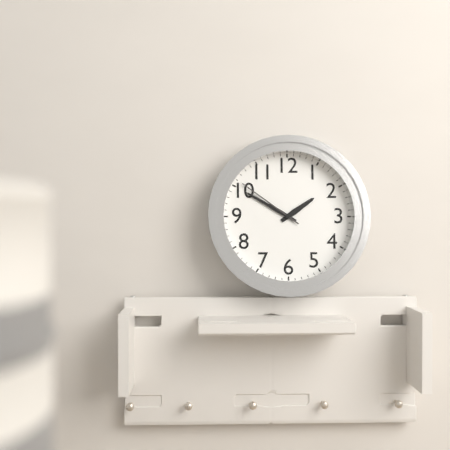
1:50:51
